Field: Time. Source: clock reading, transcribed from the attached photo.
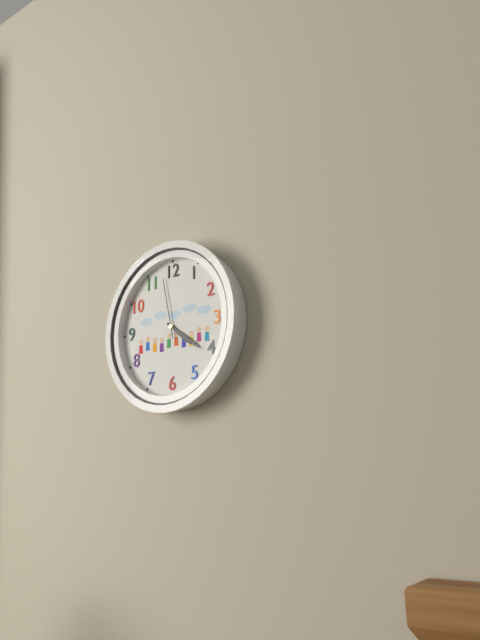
4:21:58
